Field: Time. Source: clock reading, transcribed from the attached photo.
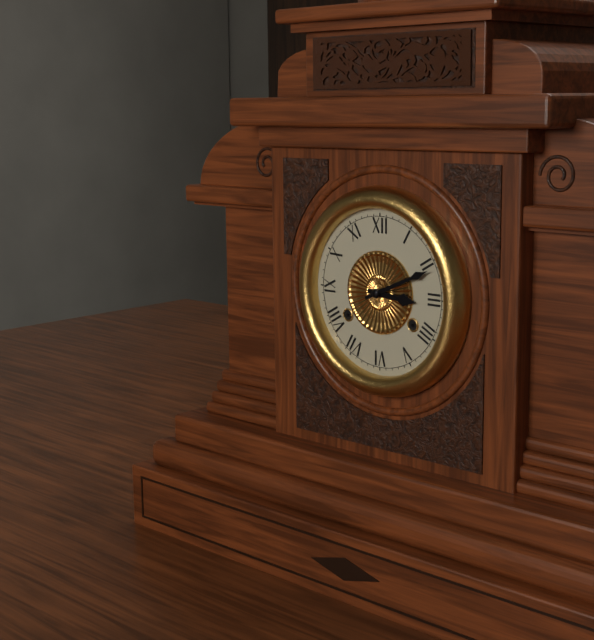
3:11
